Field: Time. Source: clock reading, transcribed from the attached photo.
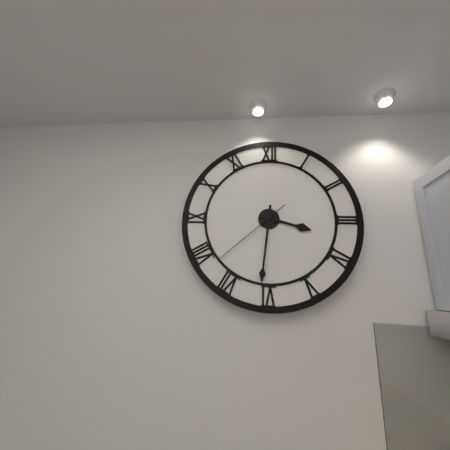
3:31:38
